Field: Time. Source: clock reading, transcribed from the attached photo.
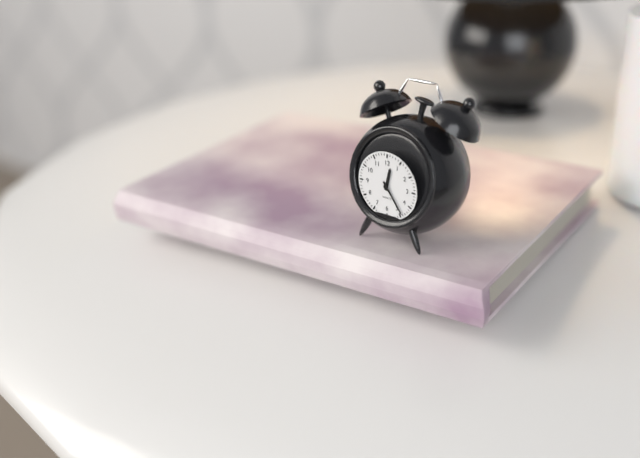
12:24
